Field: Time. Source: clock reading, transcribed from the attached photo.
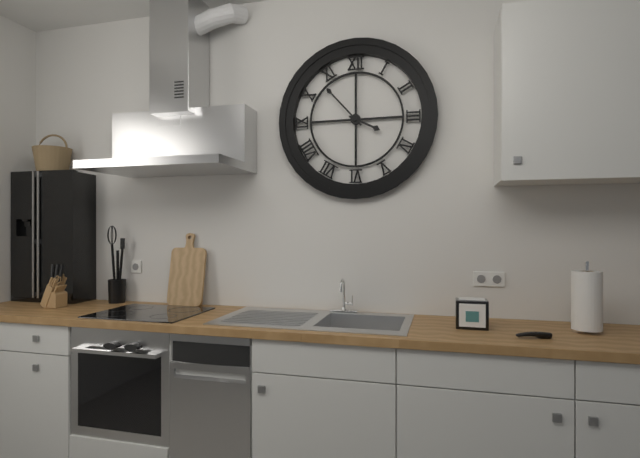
3:53
